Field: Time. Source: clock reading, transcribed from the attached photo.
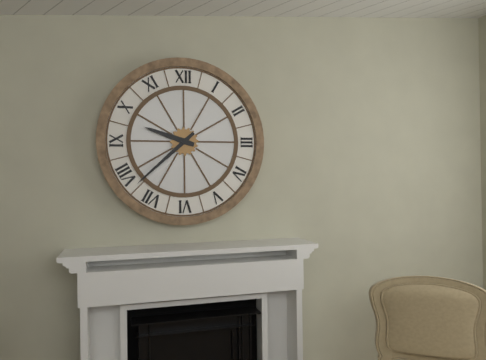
9:38
